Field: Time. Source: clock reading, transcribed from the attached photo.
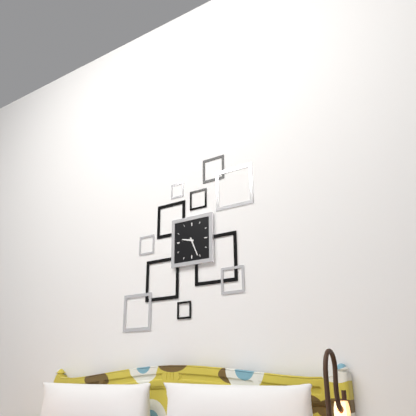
9:26
